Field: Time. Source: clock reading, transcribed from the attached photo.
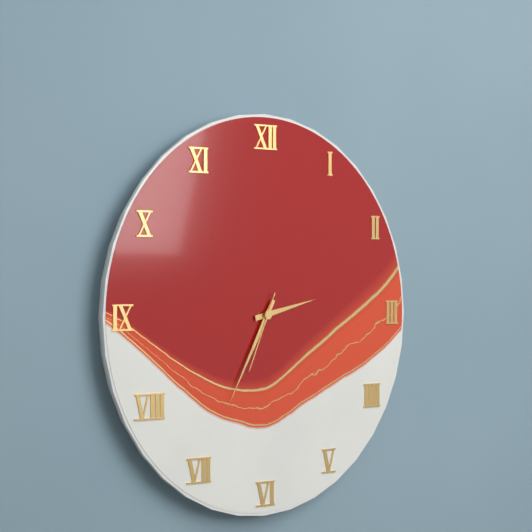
2:35:34
